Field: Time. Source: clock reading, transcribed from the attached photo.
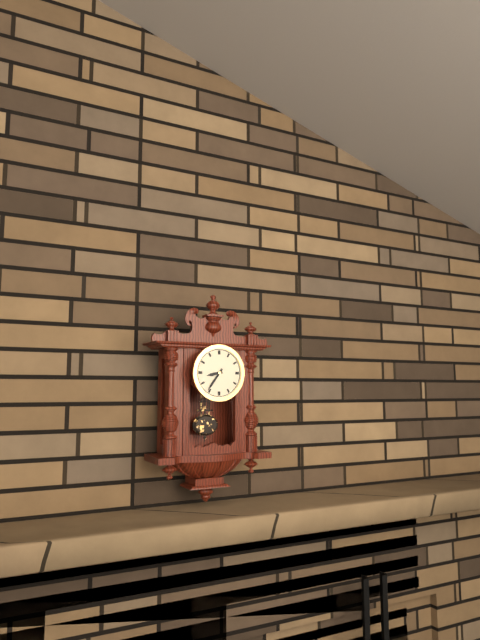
8:36
